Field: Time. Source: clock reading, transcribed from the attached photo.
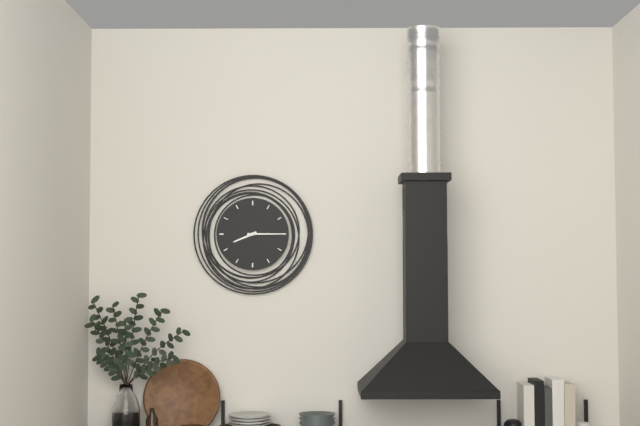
8:15
